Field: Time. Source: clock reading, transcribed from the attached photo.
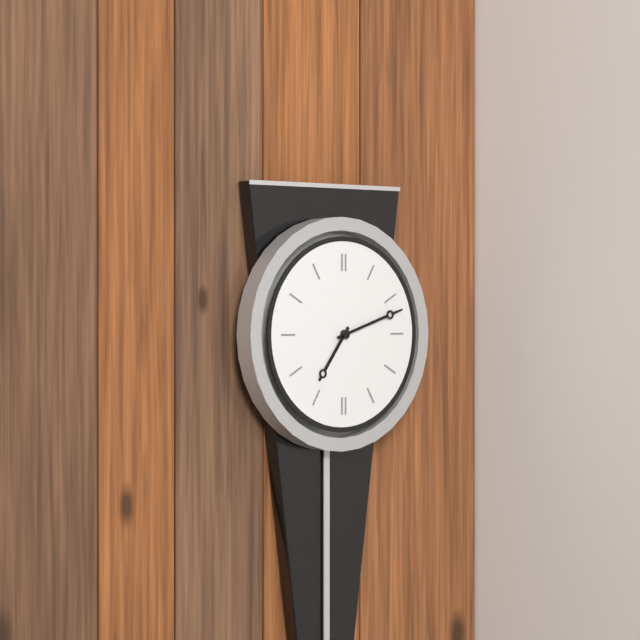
7:12
